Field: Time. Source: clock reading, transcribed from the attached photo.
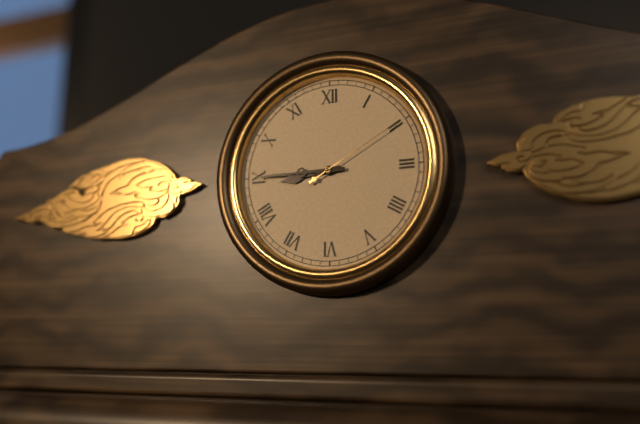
8:45:10
